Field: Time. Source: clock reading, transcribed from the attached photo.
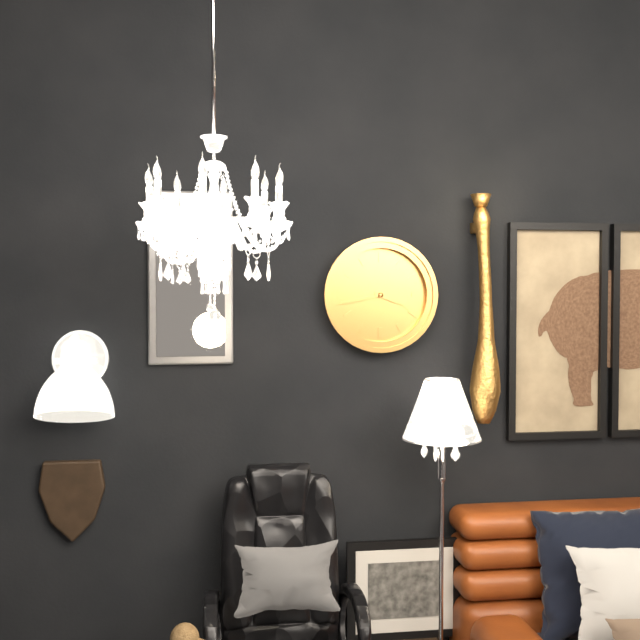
3:43
